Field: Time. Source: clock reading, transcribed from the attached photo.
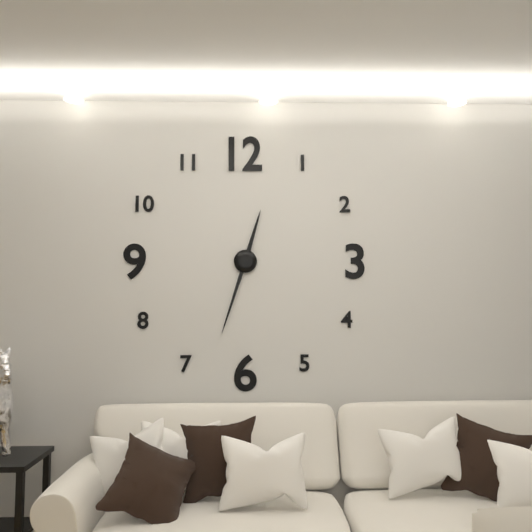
12:33
